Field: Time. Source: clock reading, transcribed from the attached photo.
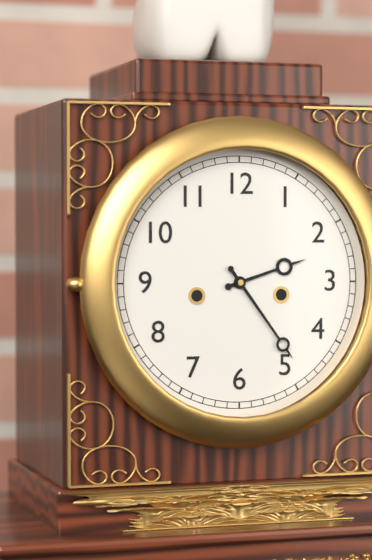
2:24
